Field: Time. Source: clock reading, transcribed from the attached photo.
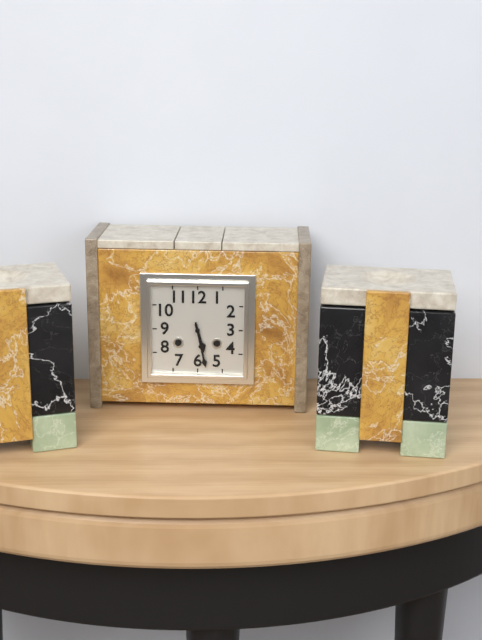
5:28
